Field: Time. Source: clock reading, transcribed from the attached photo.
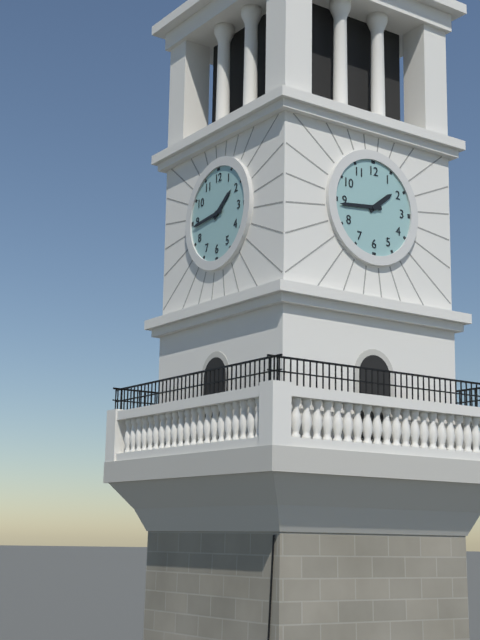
1:44
